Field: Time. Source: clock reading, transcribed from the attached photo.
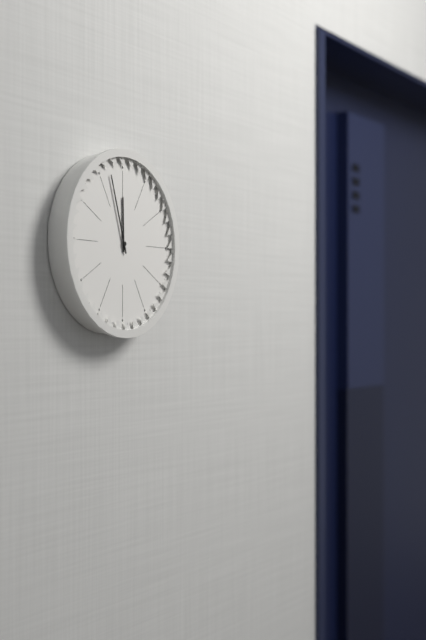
11:57
